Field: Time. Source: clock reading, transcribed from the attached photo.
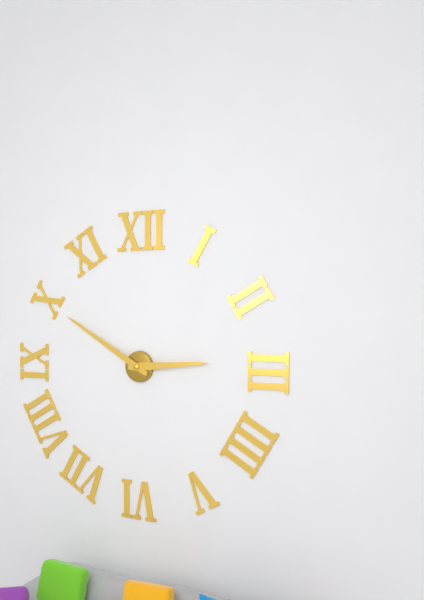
2:50
